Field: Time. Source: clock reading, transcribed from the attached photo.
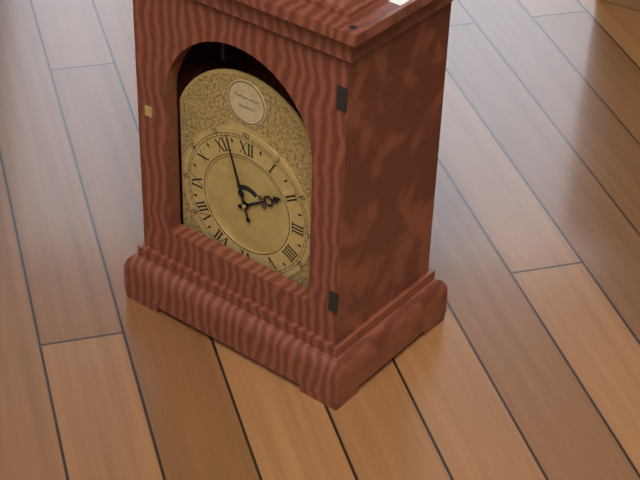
1:57
